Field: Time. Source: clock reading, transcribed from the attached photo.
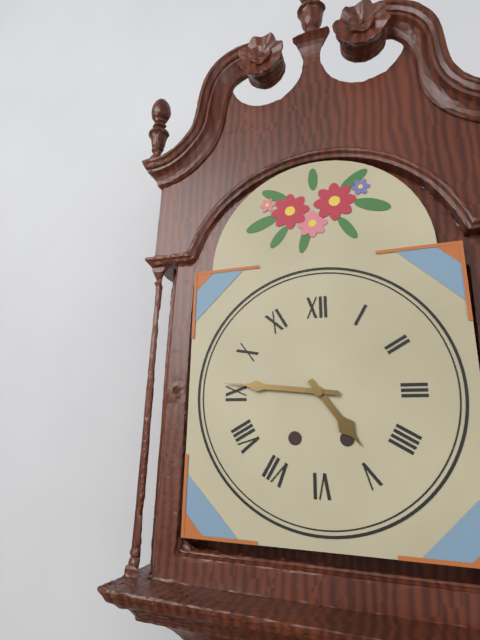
4:46
